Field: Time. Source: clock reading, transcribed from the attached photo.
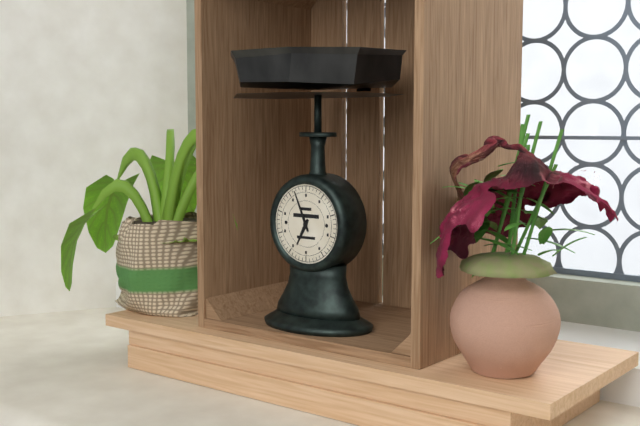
6:56
